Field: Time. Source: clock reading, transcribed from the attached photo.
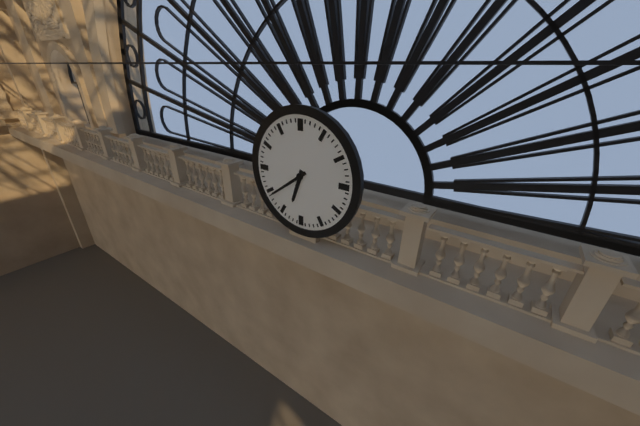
6:39
